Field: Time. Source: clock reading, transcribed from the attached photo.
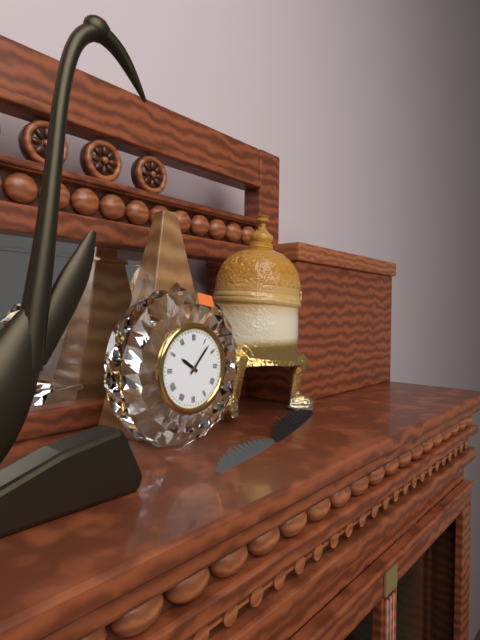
10:07
